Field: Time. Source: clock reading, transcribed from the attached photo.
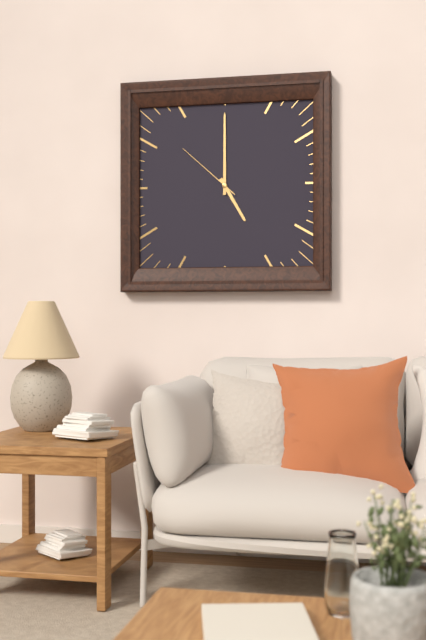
5:00:52
